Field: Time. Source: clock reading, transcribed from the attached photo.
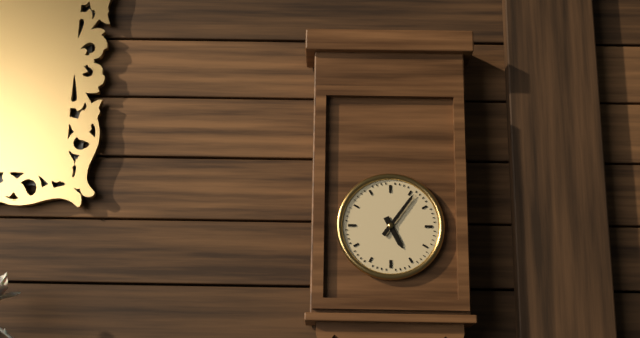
5:06
